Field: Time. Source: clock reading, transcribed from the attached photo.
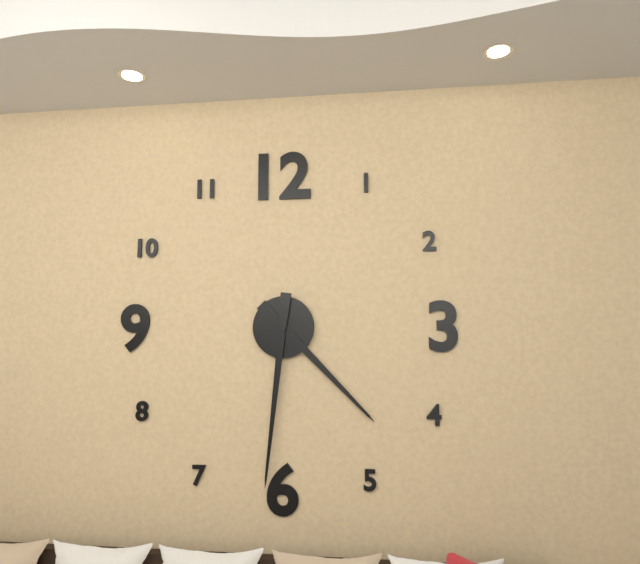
4:31
